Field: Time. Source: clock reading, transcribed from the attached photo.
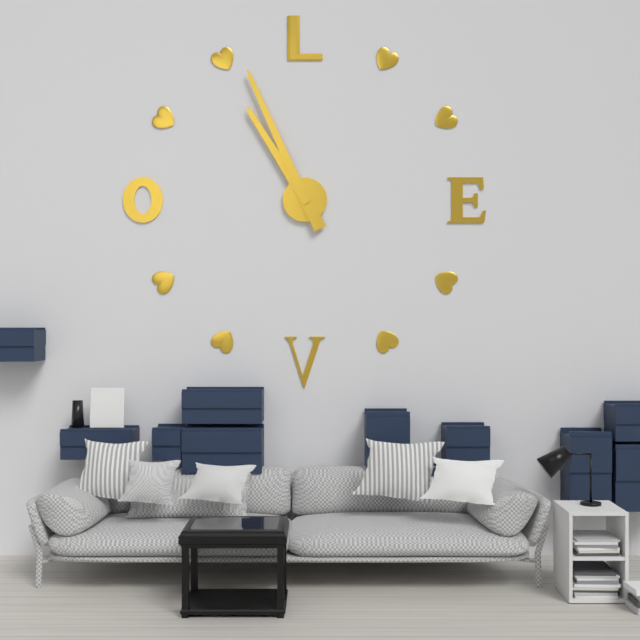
10:56
